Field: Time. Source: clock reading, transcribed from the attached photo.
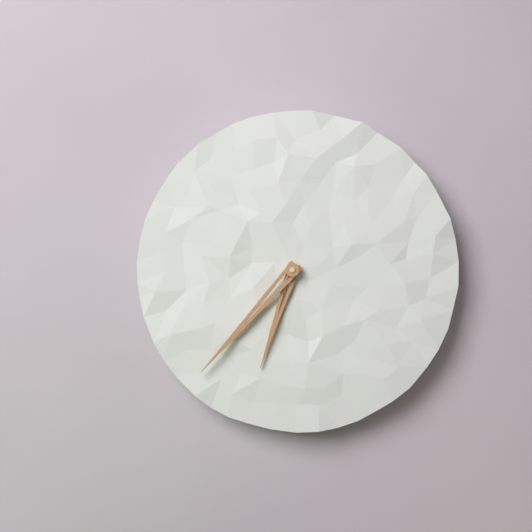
6:37
